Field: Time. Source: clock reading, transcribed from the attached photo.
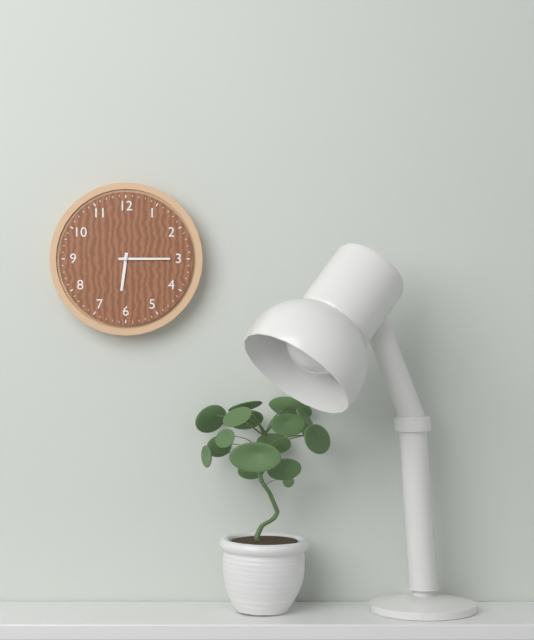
6:15
